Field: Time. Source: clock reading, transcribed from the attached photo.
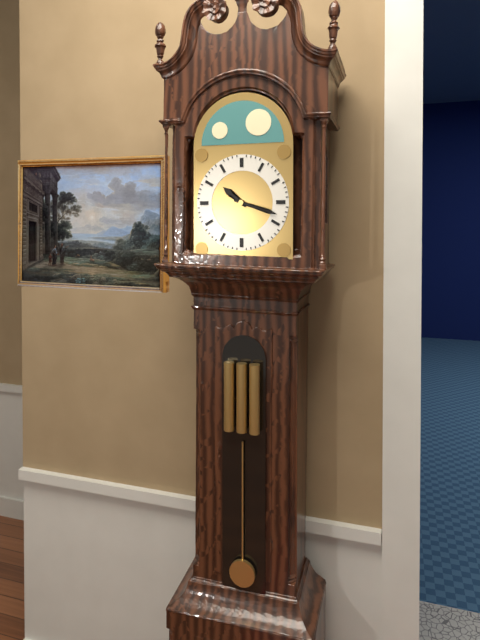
10:18
